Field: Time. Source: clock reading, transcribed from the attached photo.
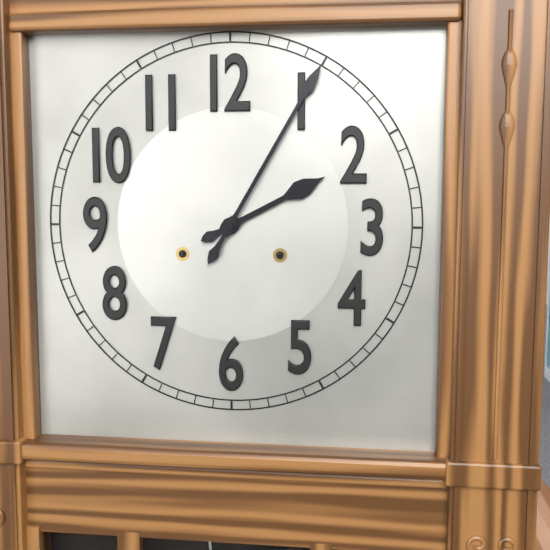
2:05
